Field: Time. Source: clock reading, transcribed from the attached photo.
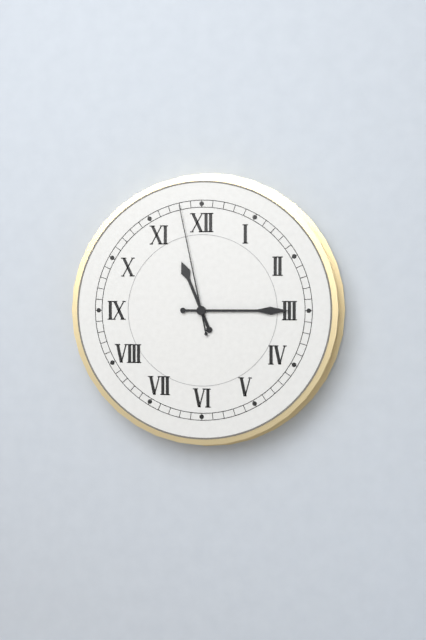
11:15:58
